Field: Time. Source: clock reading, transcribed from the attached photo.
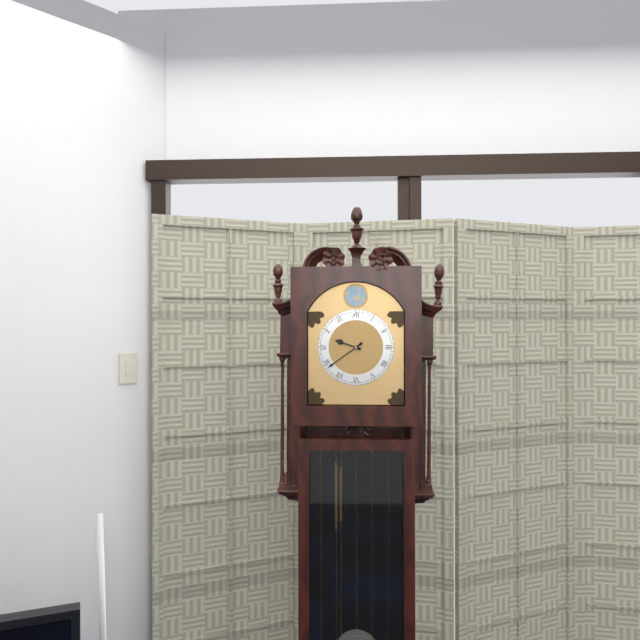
9:39
